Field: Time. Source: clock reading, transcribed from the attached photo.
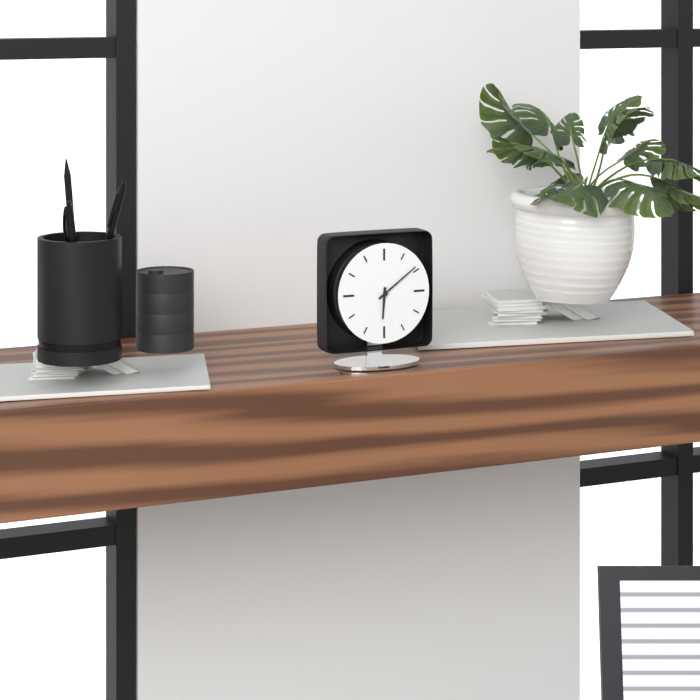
6:09
